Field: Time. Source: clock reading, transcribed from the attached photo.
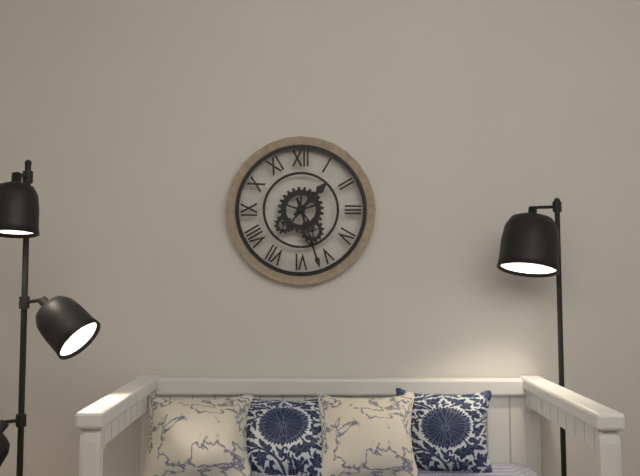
1:27
